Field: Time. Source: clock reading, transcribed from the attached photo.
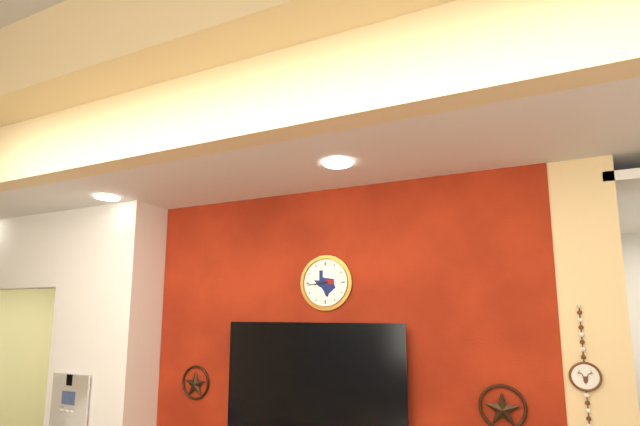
8:44
